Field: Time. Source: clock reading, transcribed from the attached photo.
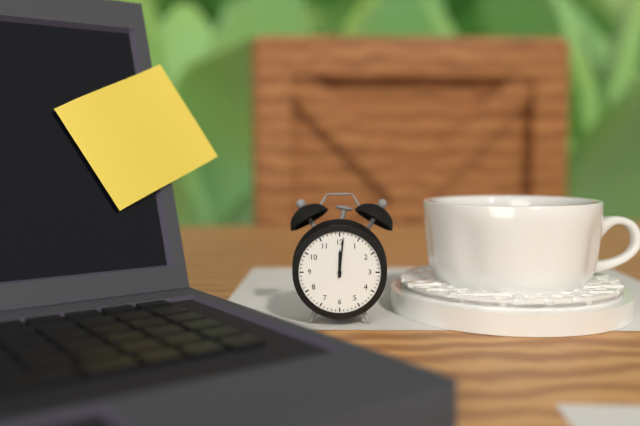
12:01
